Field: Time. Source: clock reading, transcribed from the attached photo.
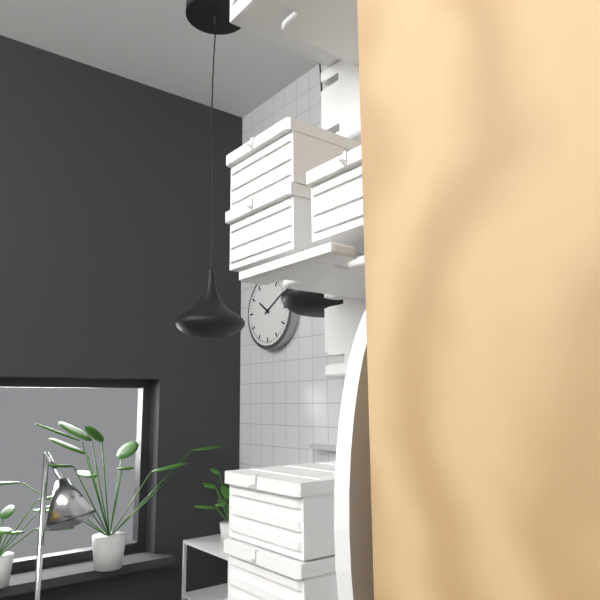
10:10
